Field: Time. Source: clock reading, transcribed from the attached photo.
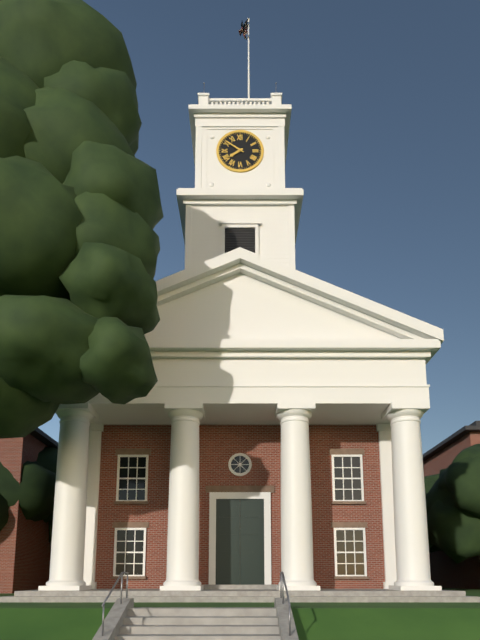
7:51
